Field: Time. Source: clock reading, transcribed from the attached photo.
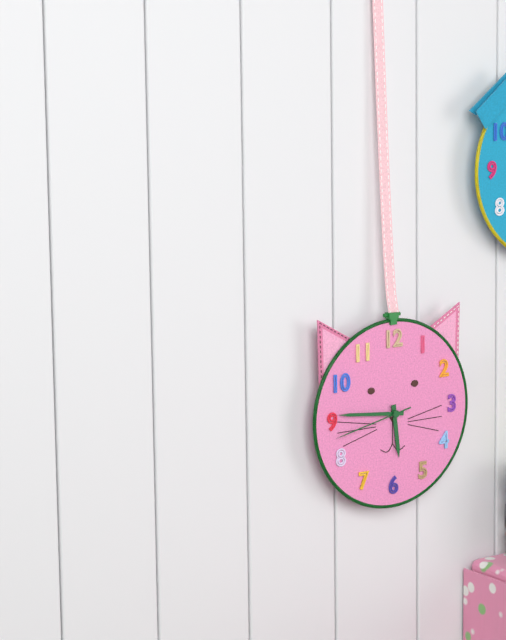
5:46:43
